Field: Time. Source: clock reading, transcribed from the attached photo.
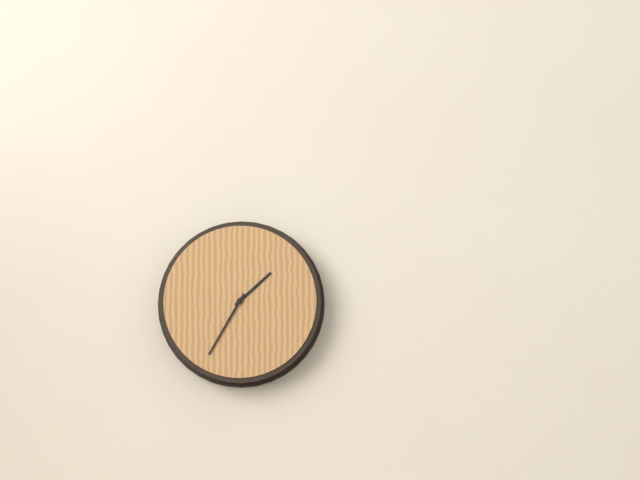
1:35
